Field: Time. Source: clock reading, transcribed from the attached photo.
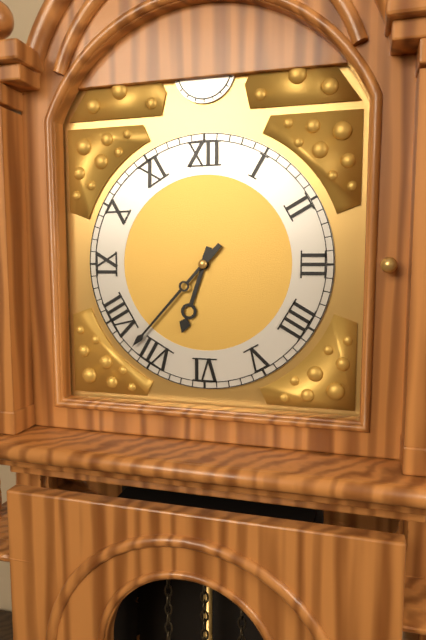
6:37
